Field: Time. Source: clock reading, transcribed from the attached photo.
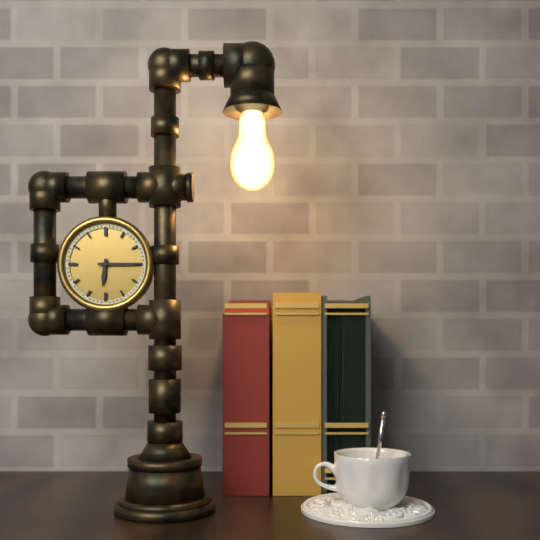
6:15
